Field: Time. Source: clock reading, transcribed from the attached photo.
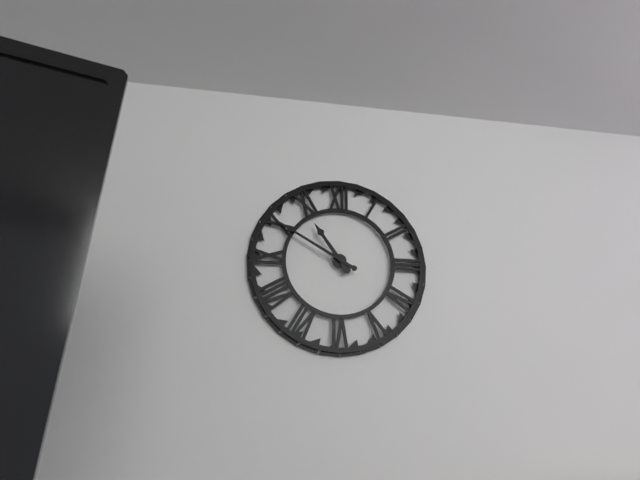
10:50
